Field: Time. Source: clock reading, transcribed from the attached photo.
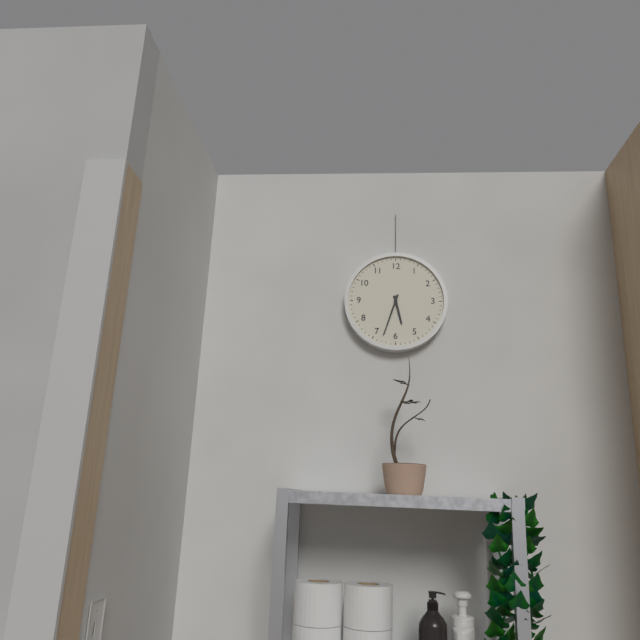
5:33
